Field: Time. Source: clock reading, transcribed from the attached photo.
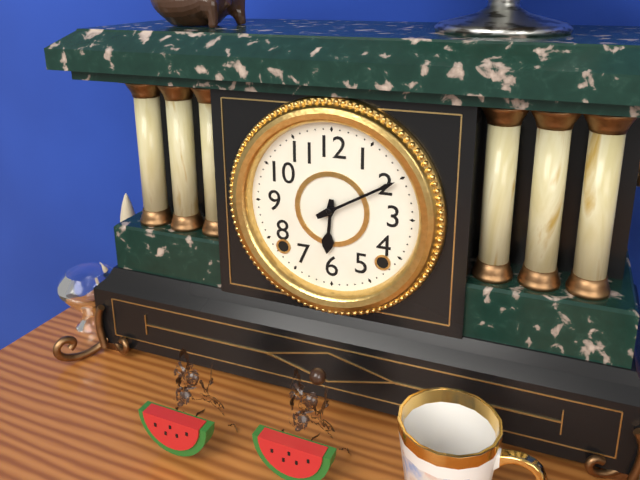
6:10
